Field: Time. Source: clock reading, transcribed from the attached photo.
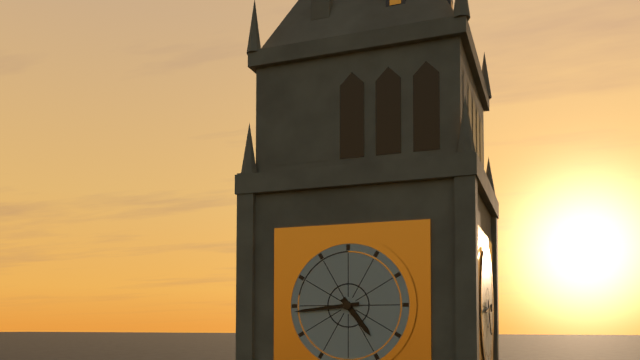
4:44
